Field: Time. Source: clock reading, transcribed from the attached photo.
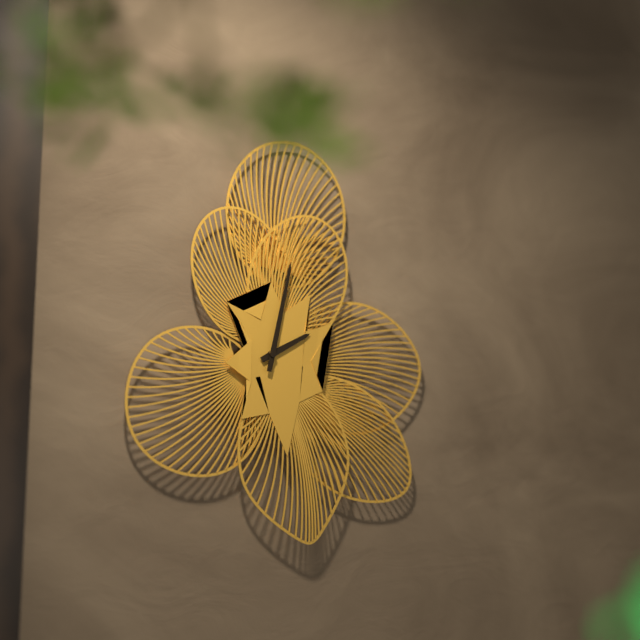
2:02
